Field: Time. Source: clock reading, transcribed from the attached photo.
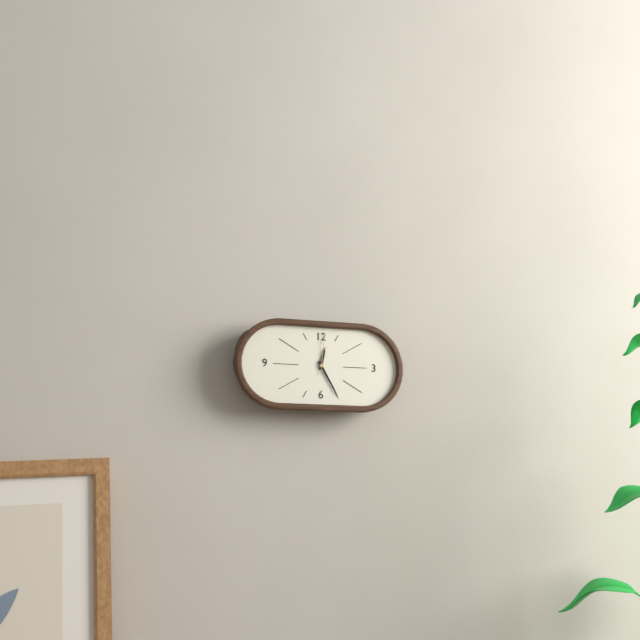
12:25
